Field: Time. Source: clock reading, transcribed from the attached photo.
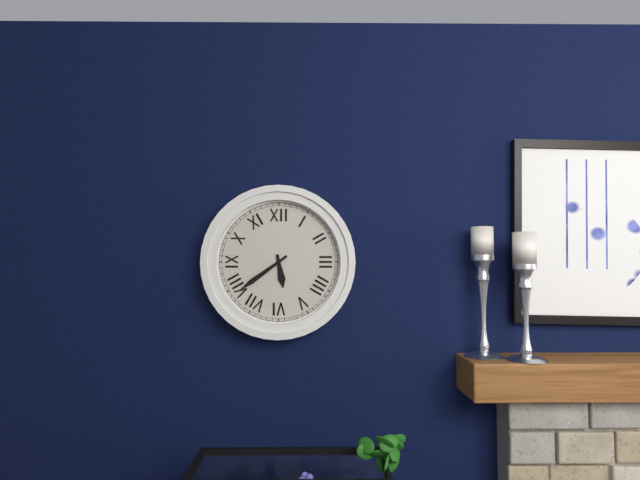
5:39
